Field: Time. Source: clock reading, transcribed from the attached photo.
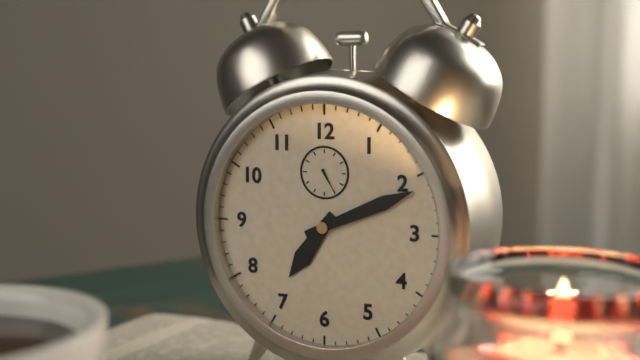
7:11
